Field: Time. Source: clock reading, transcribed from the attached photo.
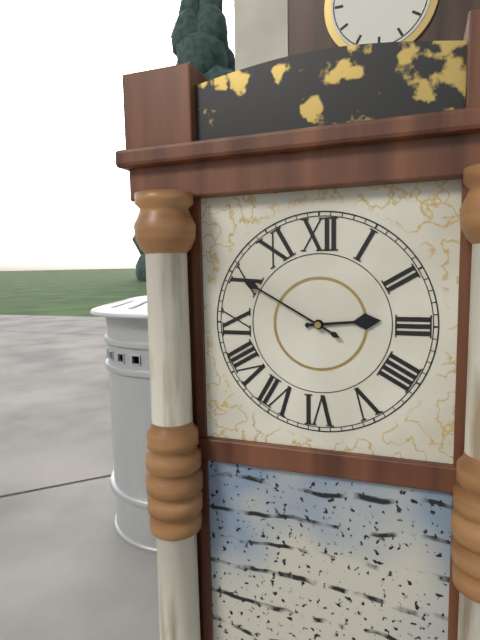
2:50
